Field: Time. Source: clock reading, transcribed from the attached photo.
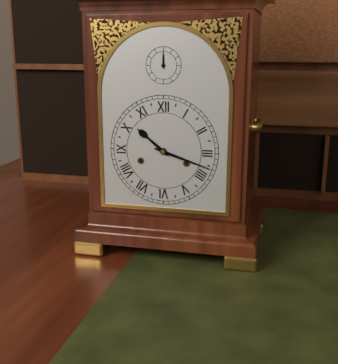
10:18
